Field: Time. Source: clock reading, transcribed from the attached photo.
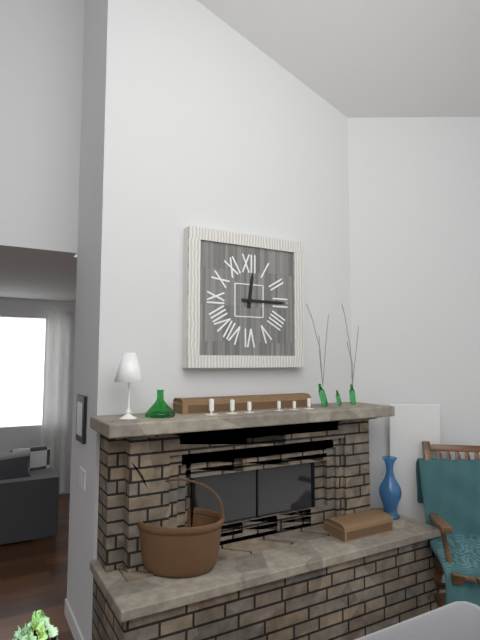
12:15
